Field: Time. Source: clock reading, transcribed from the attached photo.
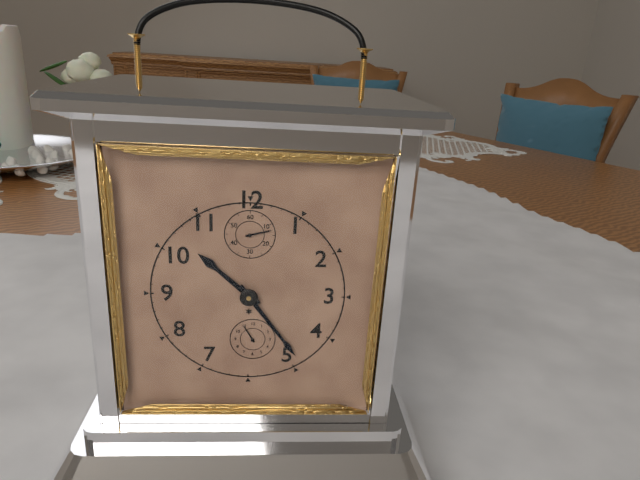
10:24
